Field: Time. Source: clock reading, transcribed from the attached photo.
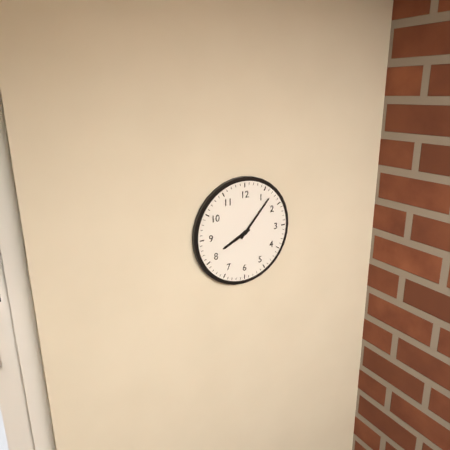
8:07
